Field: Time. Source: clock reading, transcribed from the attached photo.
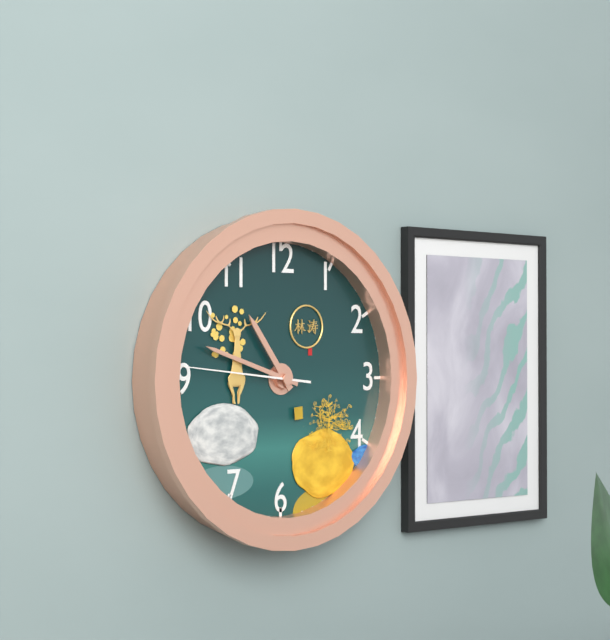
10:48:46
